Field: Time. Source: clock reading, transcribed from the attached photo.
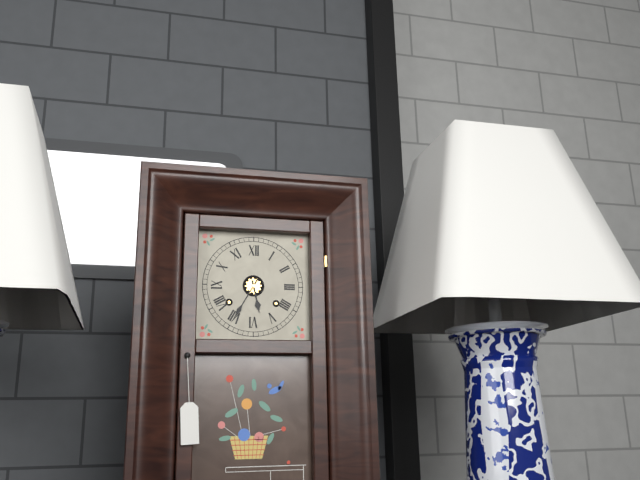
5:35
